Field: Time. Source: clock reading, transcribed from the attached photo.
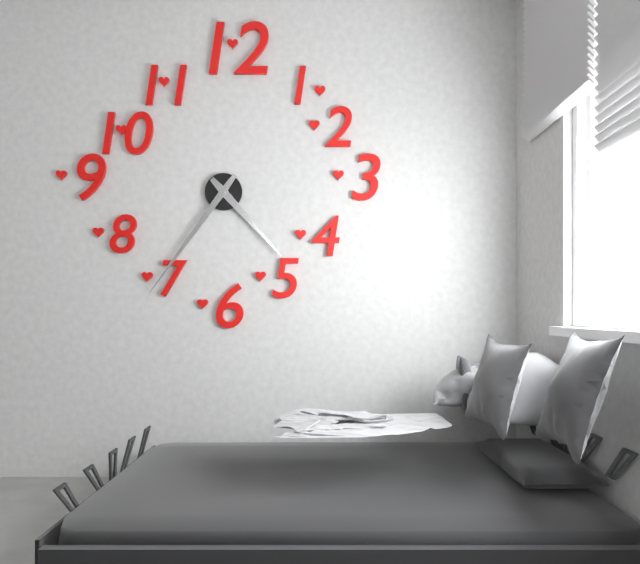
4:36
